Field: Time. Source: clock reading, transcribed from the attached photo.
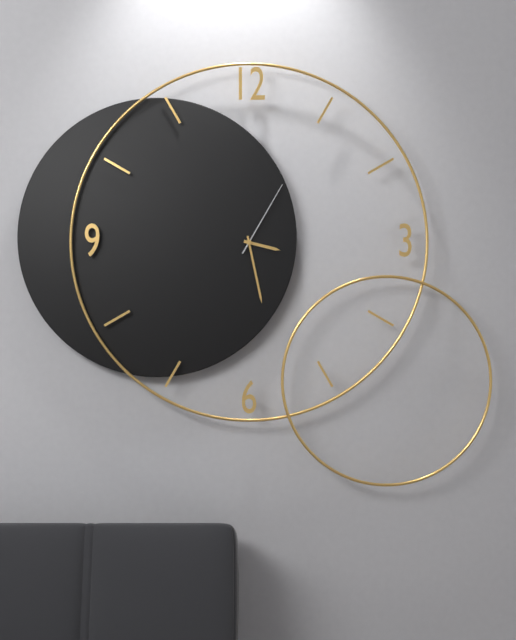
3:28:05
